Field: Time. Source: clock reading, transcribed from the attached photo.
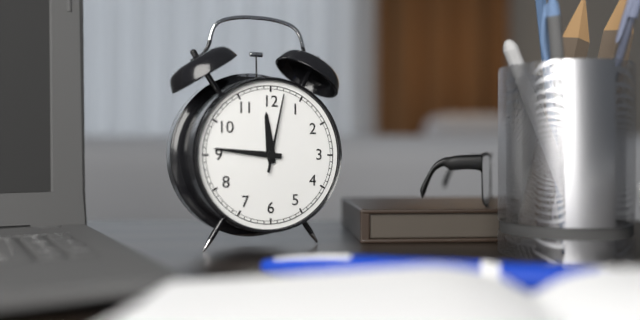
11:46:02
